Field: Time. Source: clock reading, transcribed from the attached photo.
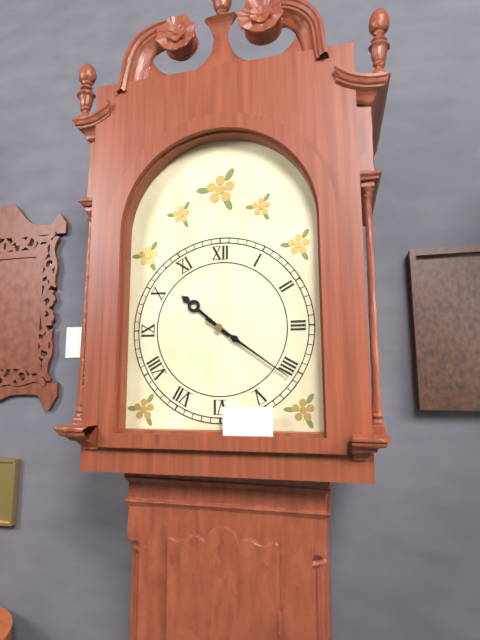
10:21
